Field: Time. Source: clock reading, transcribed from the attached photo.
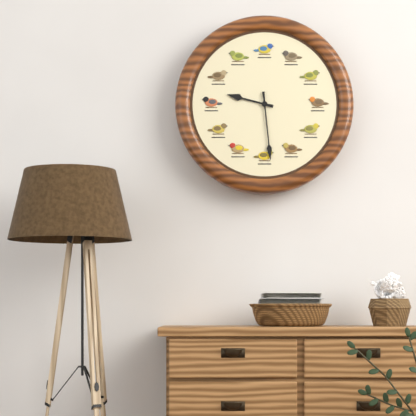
9:29
